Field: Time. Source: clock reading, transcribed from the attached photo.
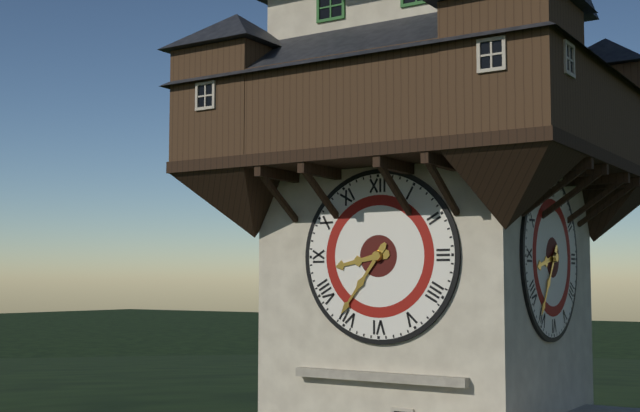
8:36
